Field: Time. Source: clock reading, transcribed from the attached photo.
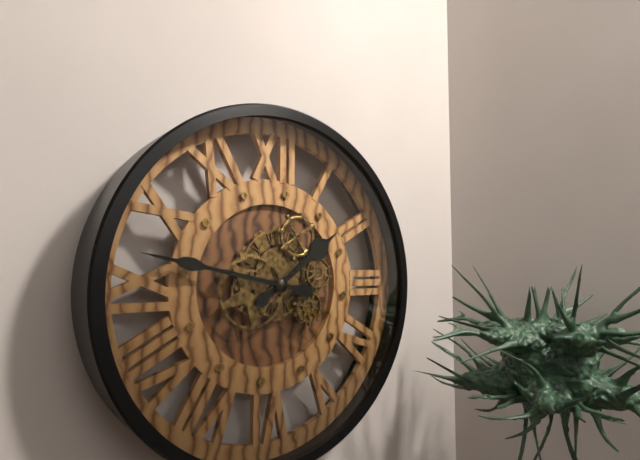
1:47
